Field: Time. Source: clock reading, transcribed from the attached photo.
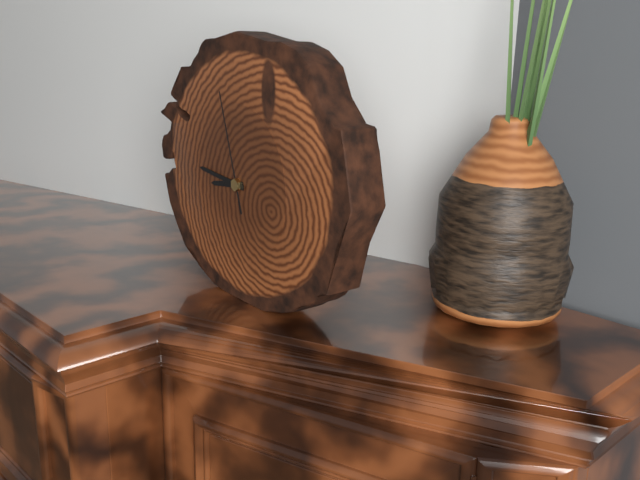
8:46:57
